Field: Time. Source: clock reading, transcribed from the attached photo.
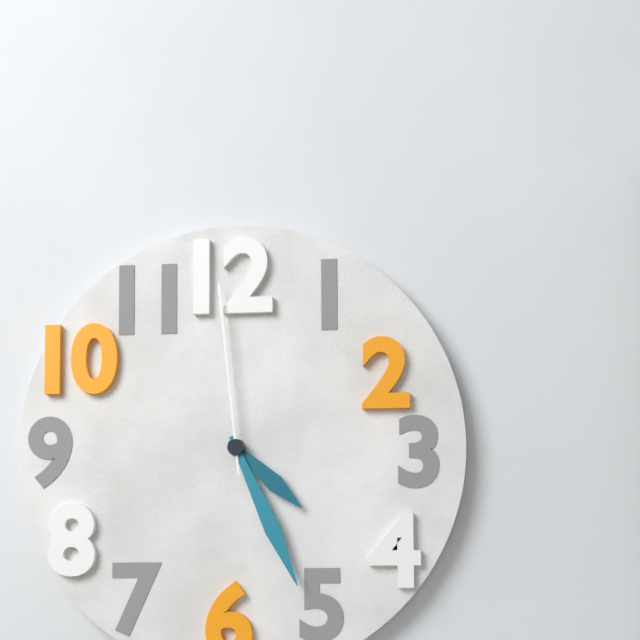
4:26:59
